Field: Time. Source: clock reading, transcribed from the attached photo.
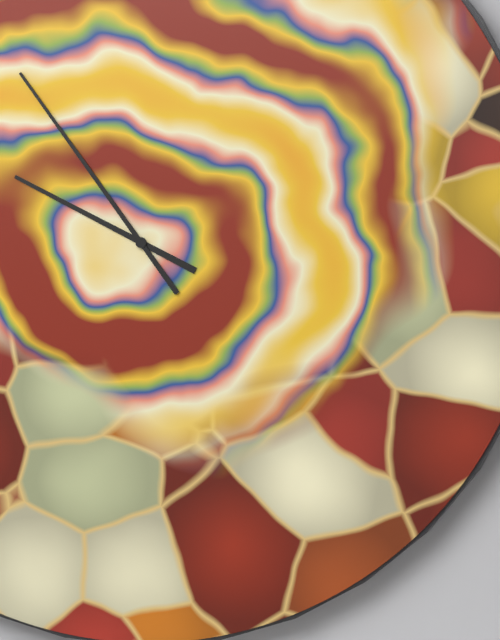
9:54
